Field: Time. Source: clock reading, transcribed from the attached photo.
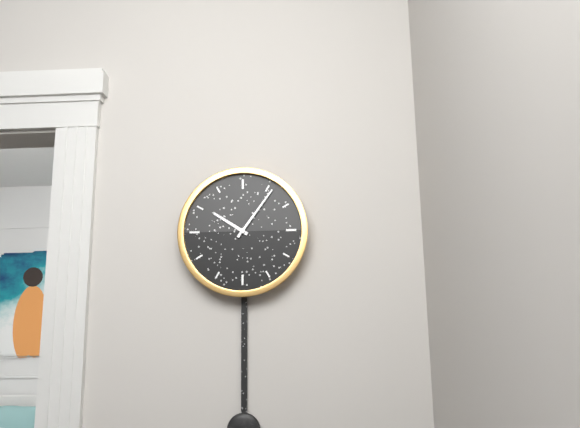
10:06
